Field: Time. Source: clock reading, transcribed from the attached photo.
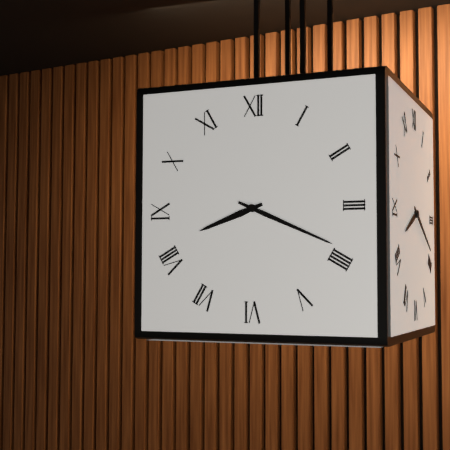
8:19
